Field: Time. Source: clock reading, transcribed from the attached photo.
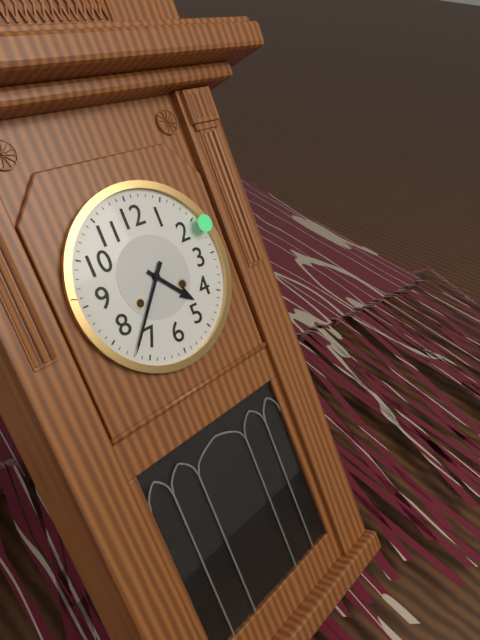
4:37
